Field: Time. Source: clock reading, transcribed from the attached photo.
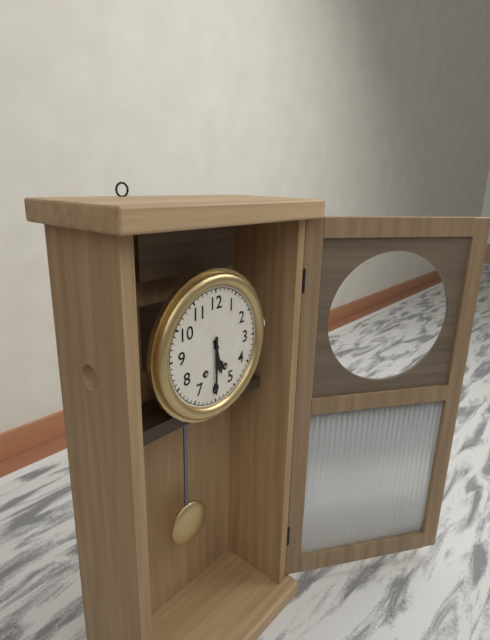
5:30
